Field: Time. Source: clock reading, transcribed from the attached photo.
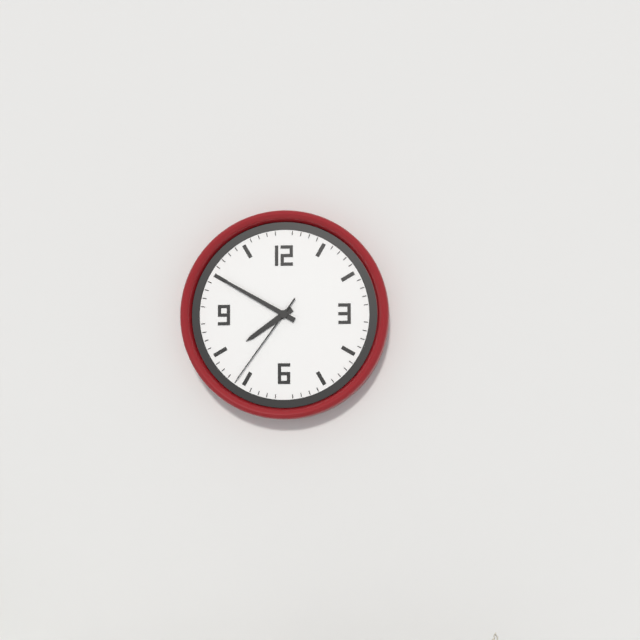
7:50:36
